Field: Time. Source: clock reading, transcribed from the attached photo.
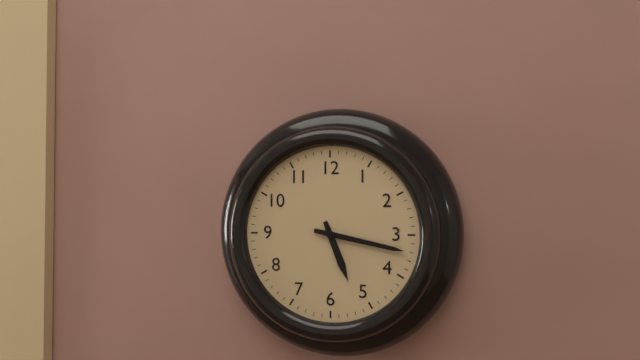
5:17
